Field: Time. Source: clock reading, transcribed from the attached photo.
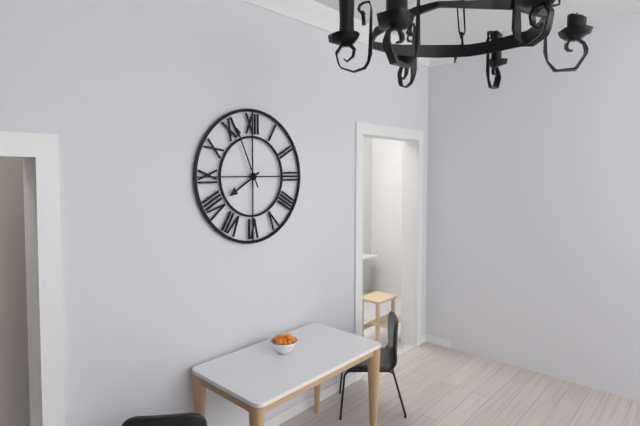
7:56
